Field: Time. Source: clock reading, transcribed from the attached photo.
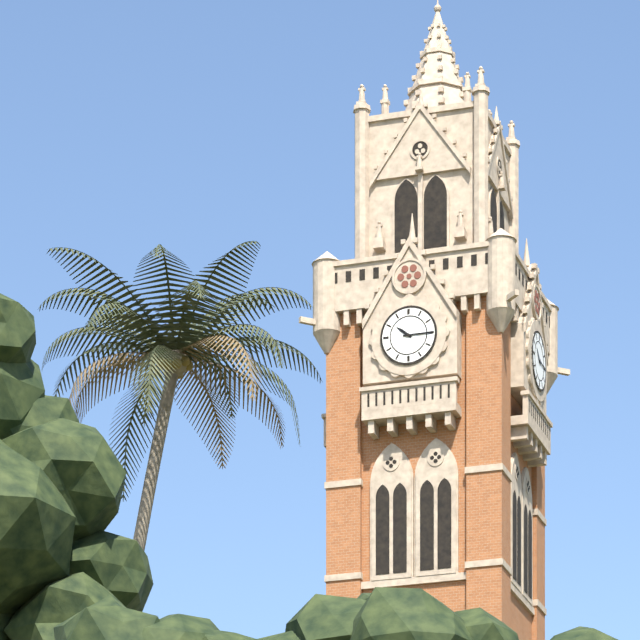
10:15
